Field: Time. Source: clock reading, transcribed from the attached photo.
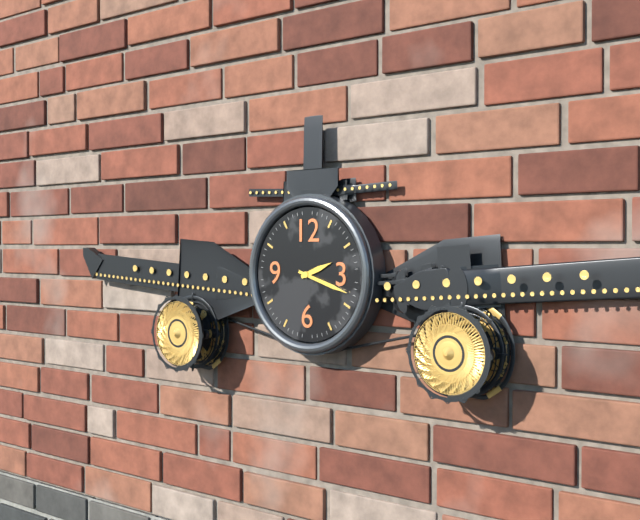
2:18
